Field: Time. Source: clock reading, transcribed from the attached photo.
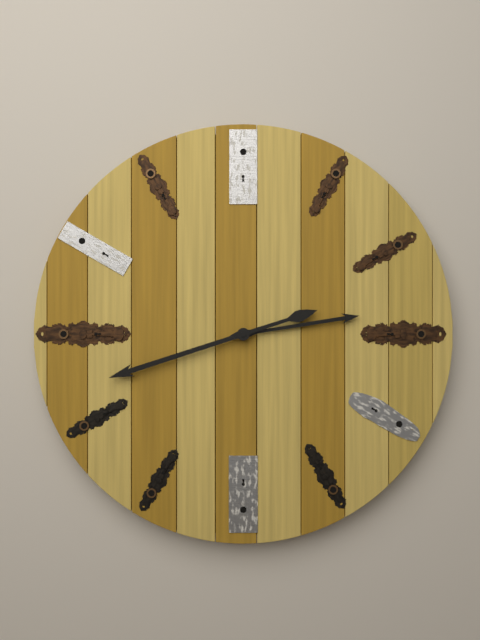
2:42
